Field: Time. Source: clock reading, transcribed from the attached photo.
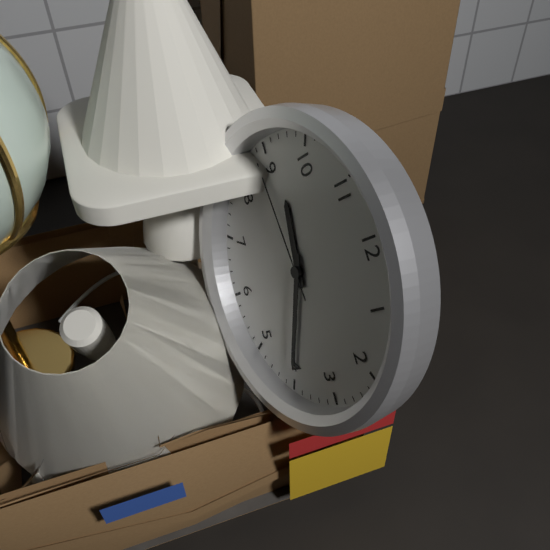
9:20:44
